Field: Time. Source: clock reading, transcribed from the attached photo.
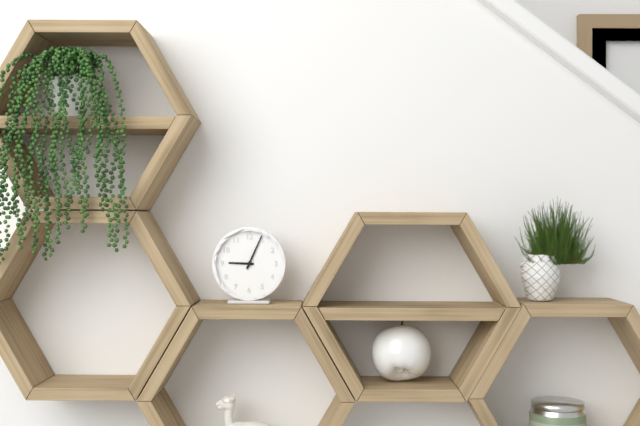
9:04
